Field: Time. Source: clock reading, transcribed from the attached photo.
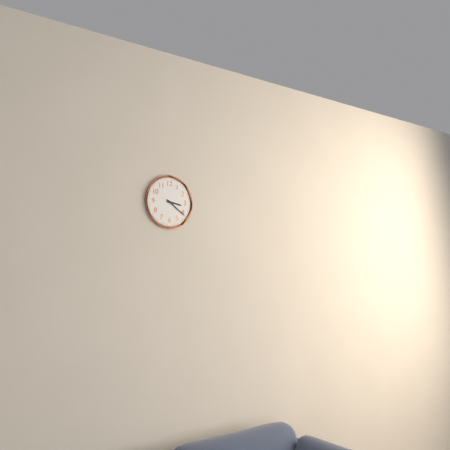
3:21
